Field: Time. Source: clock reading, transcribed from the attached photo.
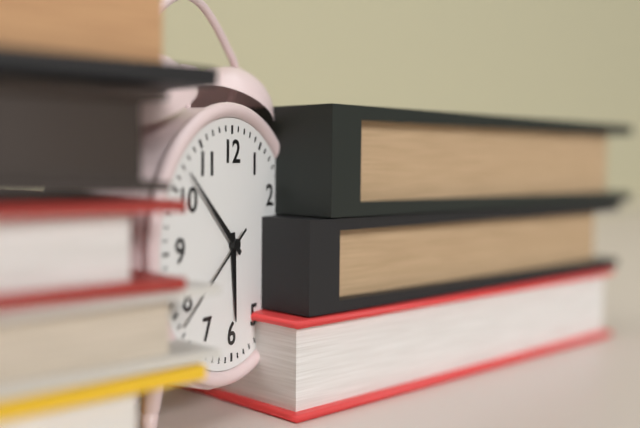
5:52:39
